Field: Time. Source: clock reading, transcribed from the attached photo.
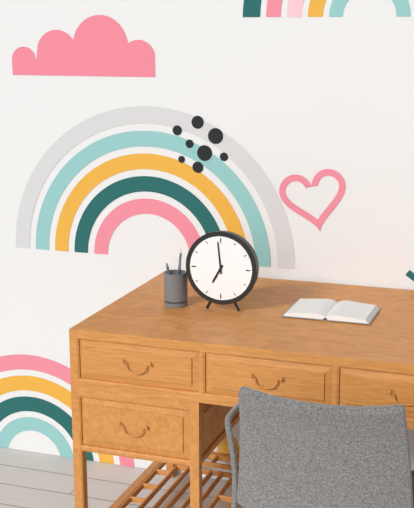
6:59
